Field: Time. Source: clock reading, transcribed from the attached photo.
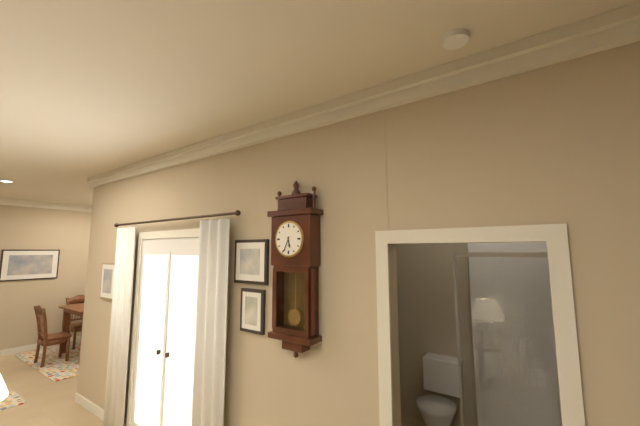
5:34
